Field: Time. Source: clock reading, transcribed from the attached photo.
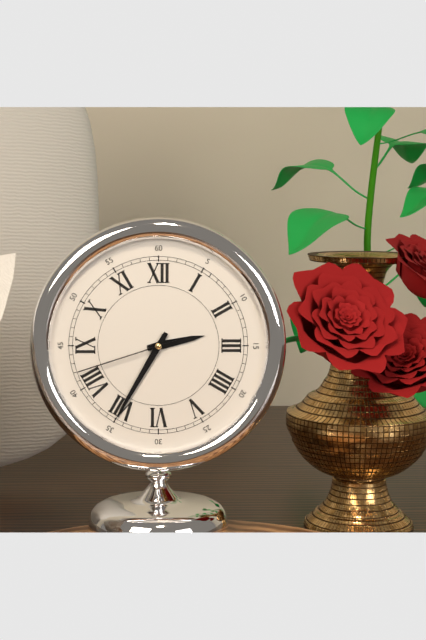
2:35:42
